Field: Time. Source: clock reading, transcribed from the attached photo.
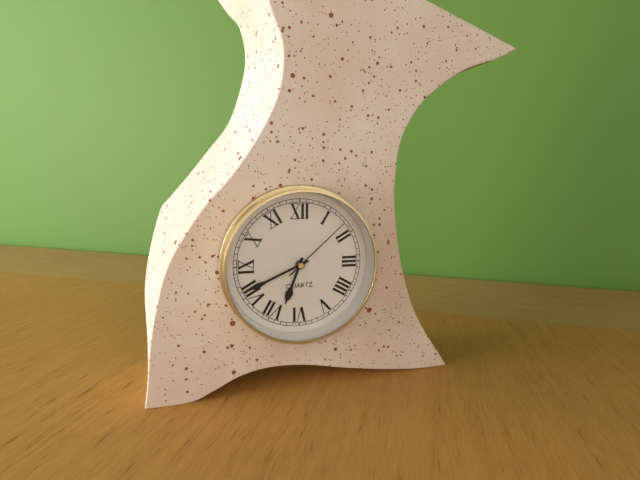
6:41:08
